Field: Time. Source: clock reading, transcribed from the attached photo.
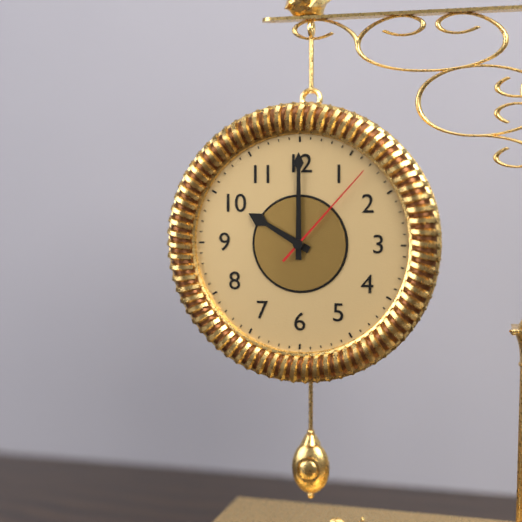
10:00:07
